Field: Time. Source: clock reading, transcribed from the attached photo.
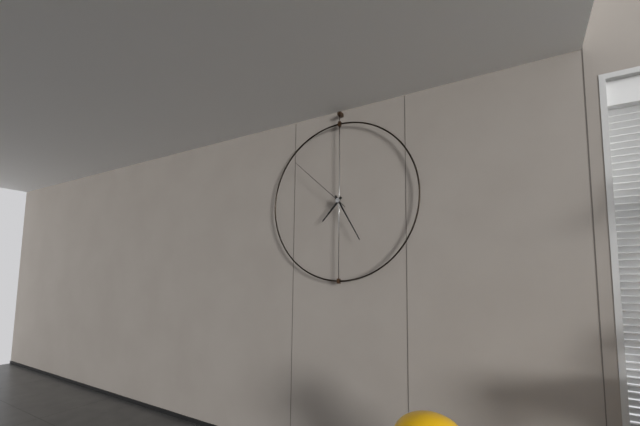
7:25:52
